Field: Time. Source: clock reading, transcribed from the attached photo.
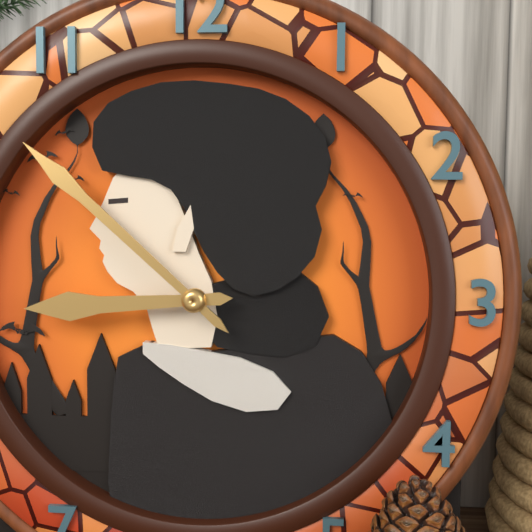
8:52
